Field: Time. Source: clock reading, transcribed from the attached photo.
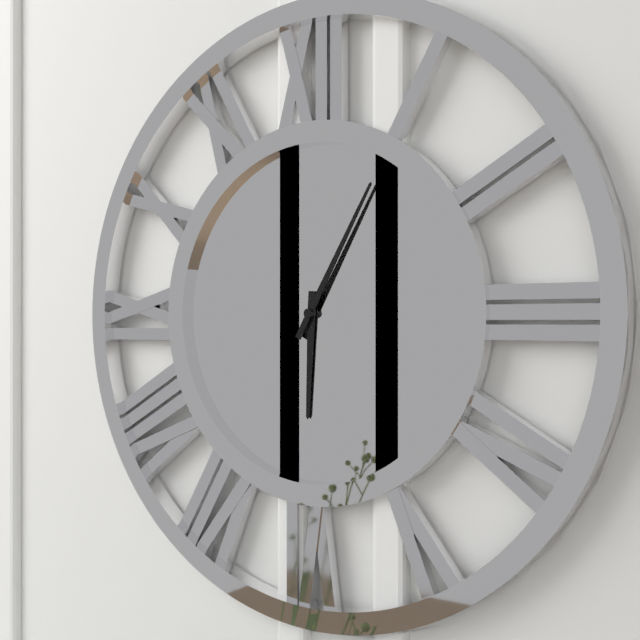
6:05
